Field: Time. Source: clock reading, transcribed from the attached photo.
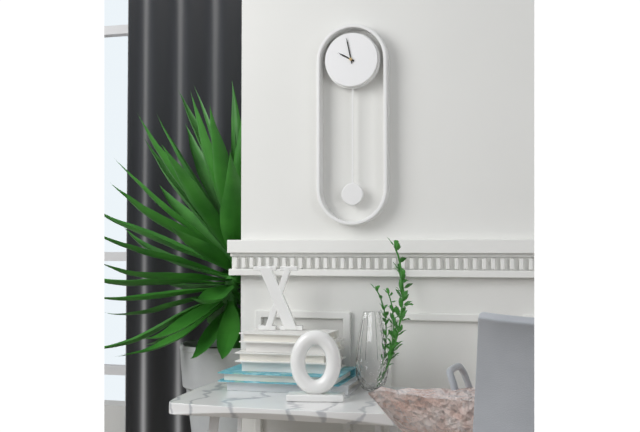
9:58
